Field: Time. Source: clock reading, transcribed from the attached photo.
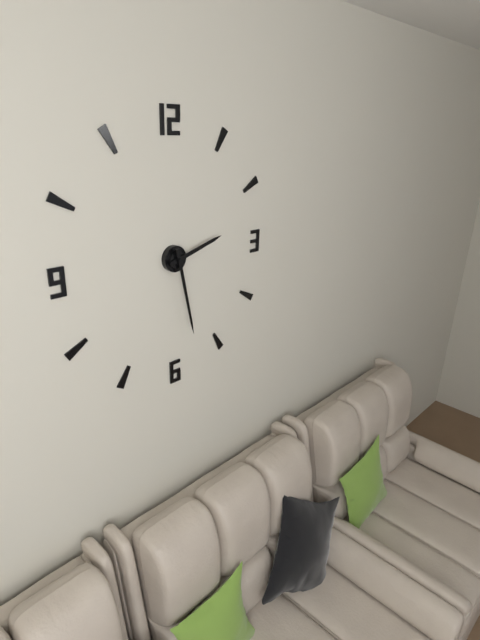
2:28
